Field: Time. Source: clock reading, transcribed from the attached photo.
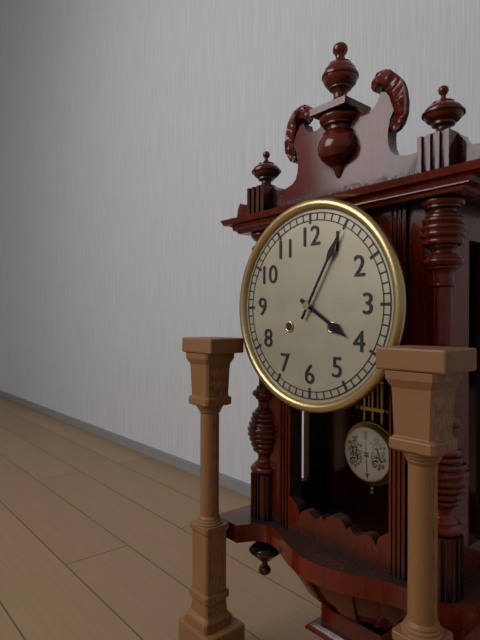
4:05
